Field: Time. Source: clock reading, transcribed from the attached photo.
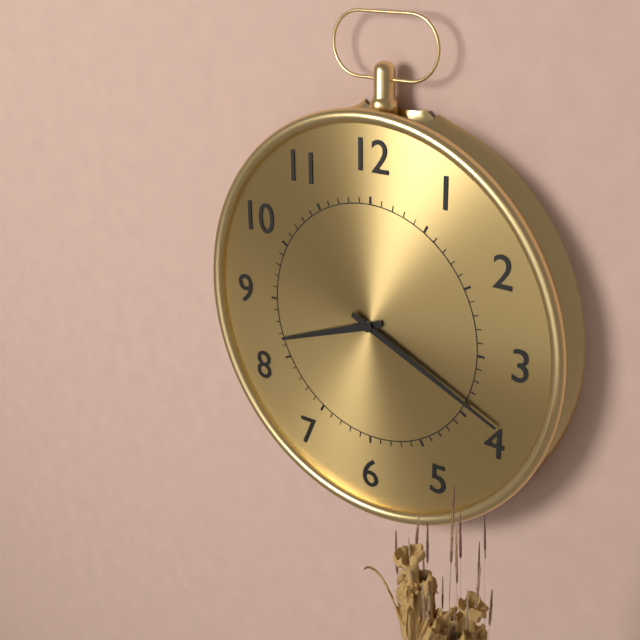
8:19
